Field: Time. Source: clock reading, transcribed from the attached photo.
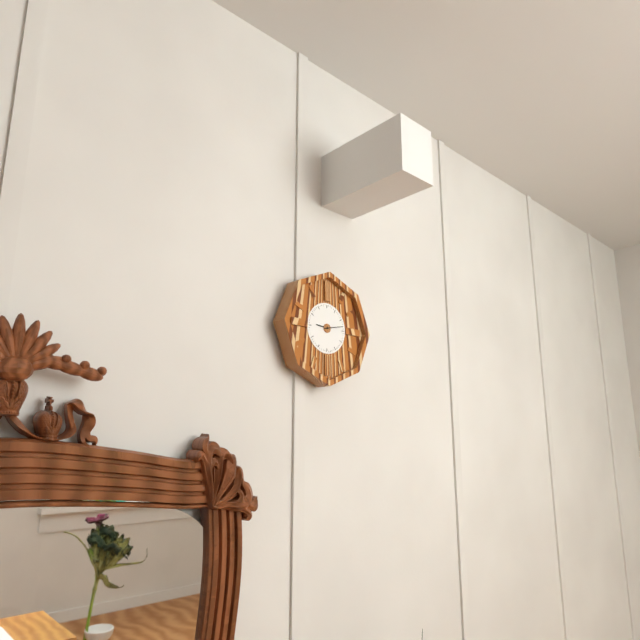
9:13
